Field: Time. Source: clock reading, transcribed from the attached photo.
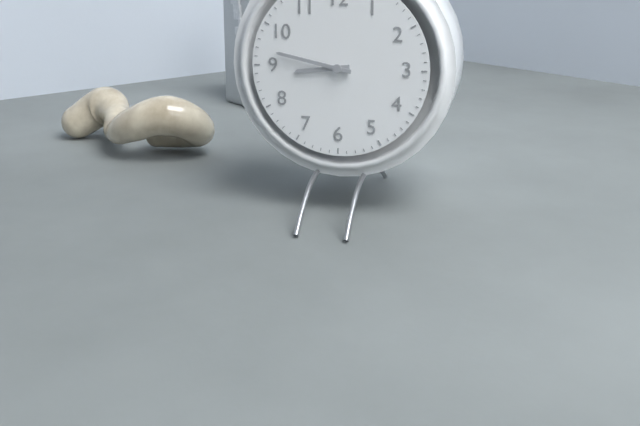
8:47
